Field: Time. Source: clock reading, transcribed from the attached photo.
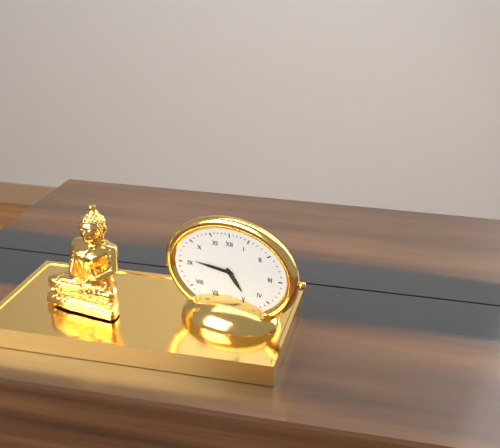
4:46
